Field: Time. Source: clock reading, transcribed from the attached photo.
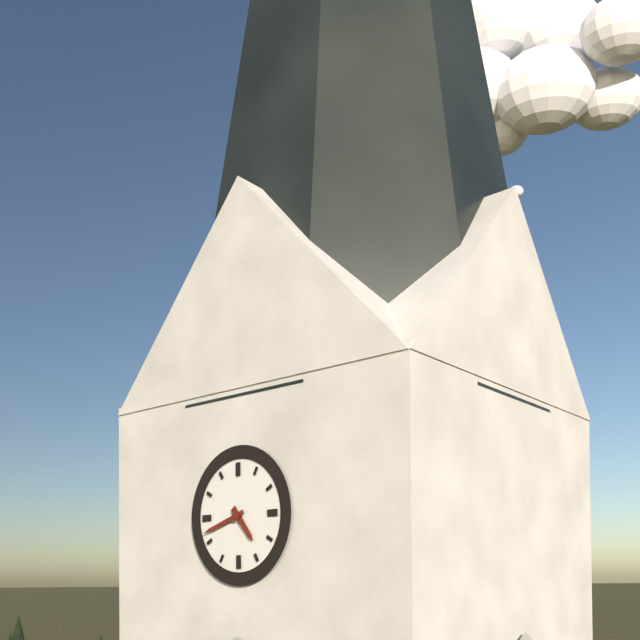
4:42
